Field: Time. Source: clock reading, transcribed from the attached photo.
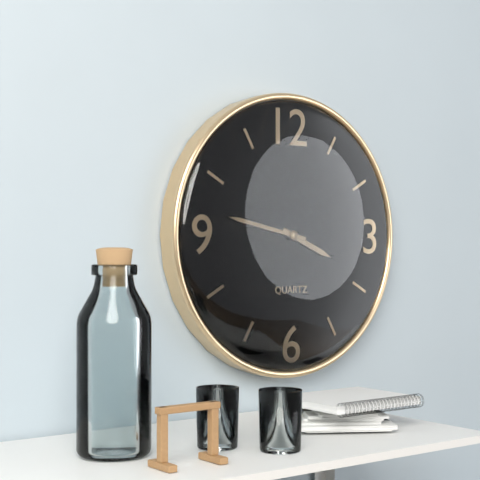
3:47
